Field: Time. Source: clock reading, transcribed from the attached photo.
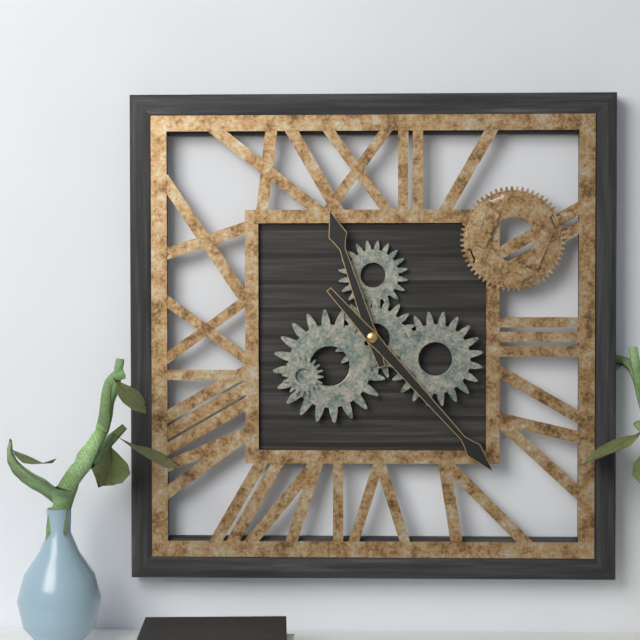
11:23
